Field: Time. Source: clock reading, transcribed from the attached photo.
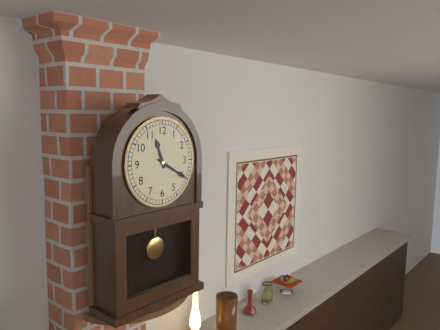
11:20
